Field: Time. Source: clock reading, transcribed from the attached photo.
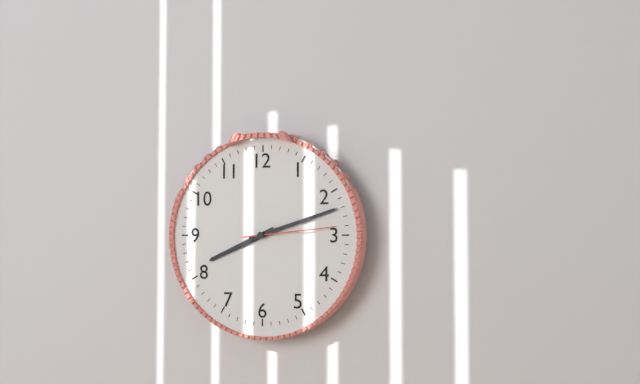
8:12:14
